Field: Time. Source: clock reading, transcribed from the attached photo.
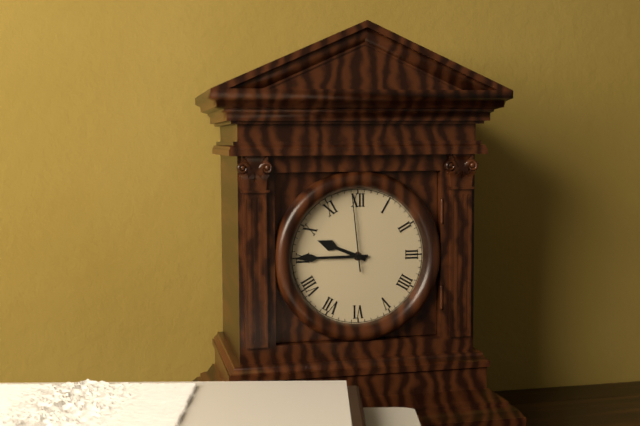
9:45:59
